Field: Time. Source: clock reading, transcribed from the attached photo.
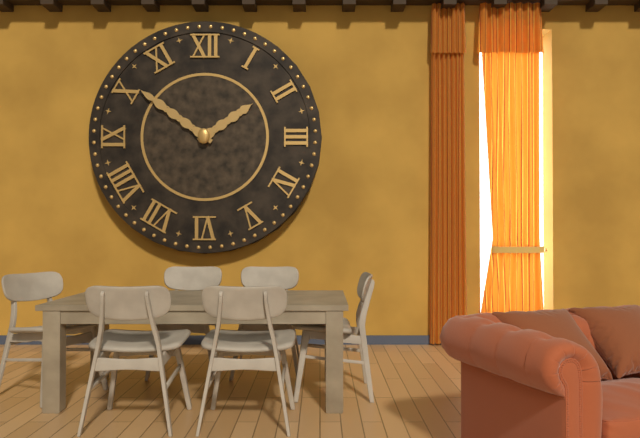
1:51
